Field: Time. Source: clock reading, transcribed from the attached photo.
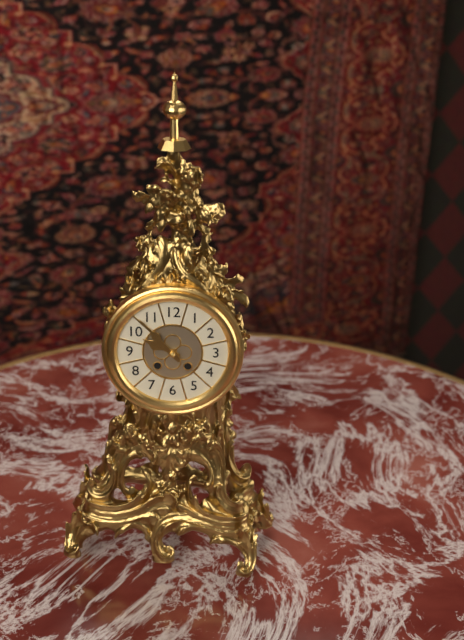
9:53
